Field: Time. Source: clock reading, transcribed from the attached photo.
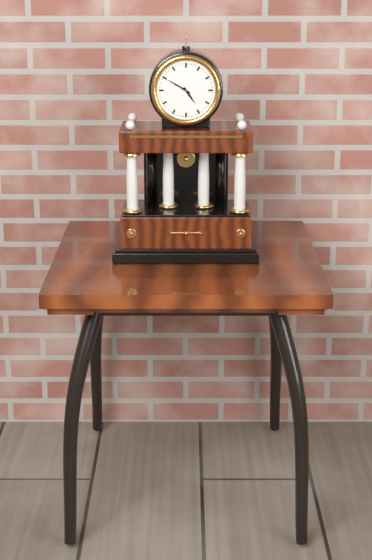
4:50
